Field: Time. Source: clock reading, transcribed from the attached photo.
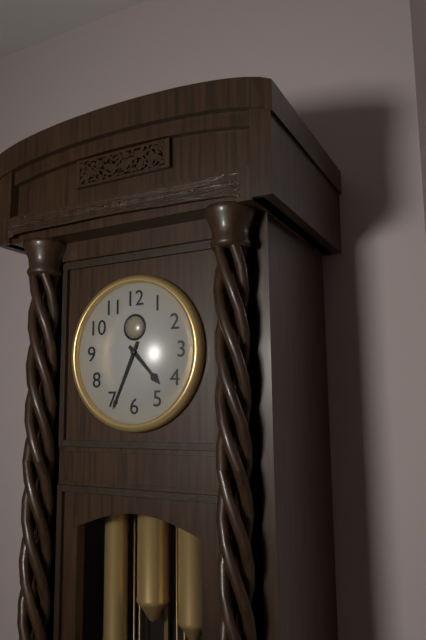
4:34
